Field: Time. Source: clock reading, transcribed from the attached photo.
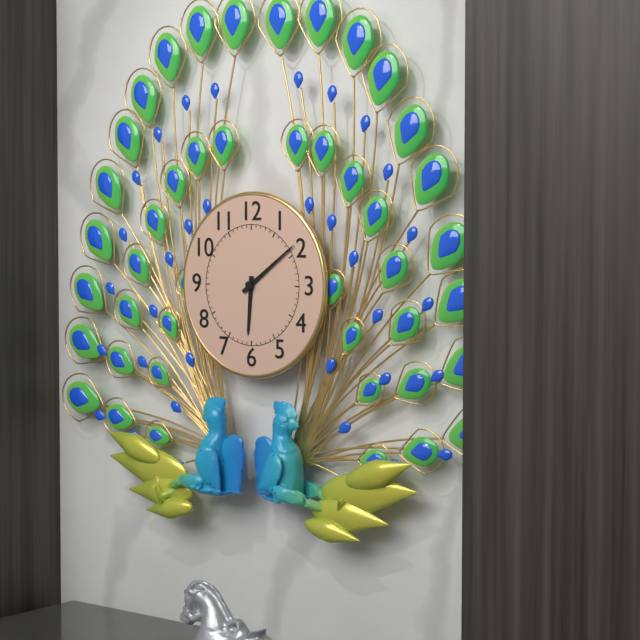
6:09
